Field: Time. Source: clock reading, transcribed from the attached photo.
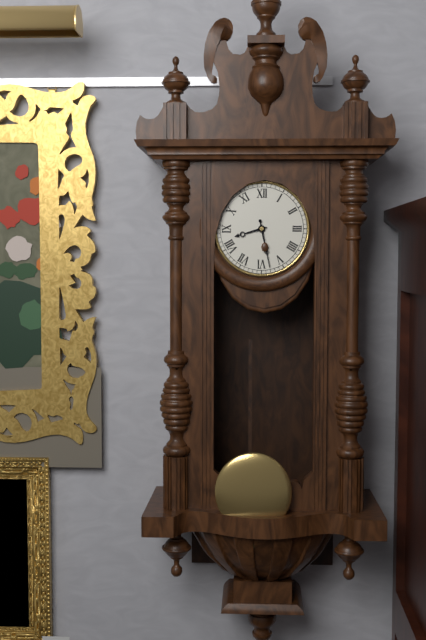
8:28
